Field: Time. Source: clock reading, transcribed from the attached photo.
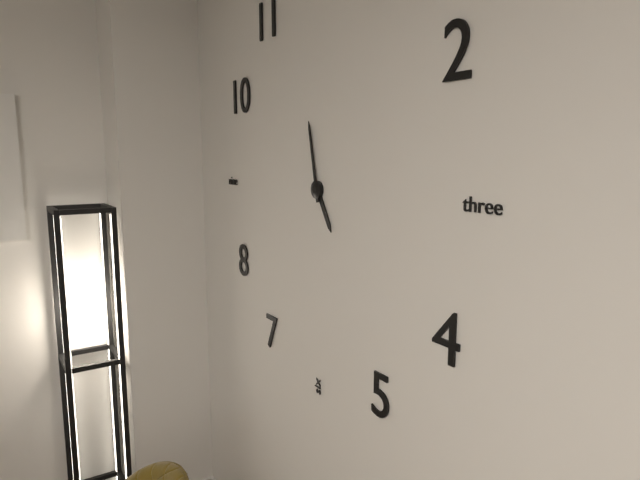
4:58
